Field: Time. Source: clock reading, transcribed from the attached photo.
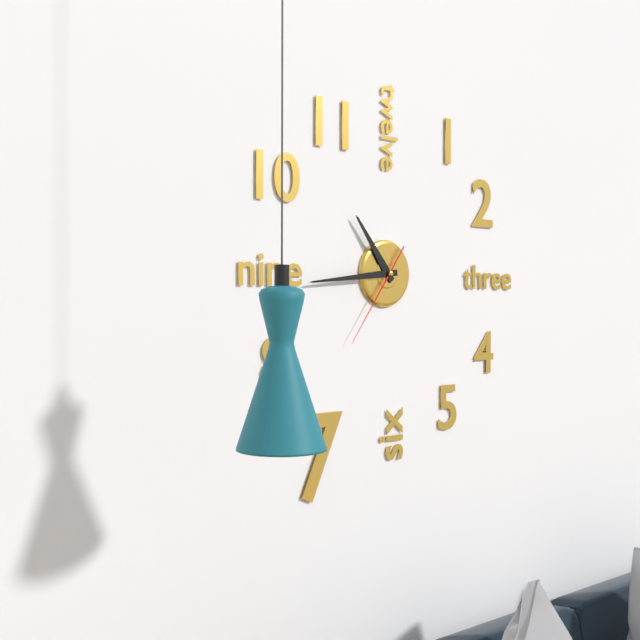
10:44:36
